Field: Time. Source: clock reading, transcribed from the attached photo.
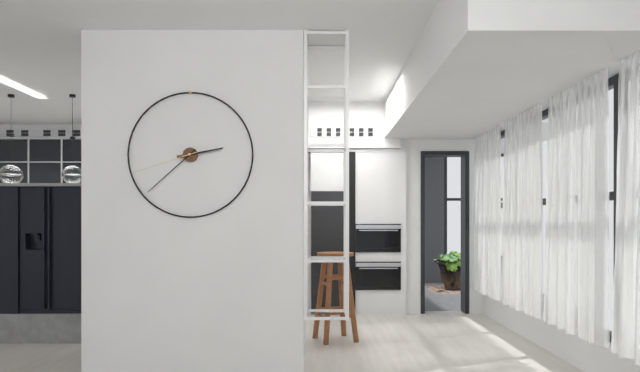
2:38:42
